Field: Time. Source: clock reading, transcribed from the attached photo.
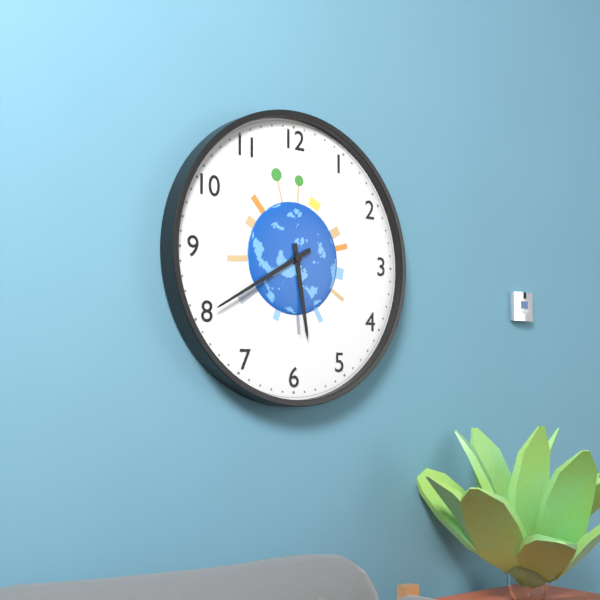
5:40
